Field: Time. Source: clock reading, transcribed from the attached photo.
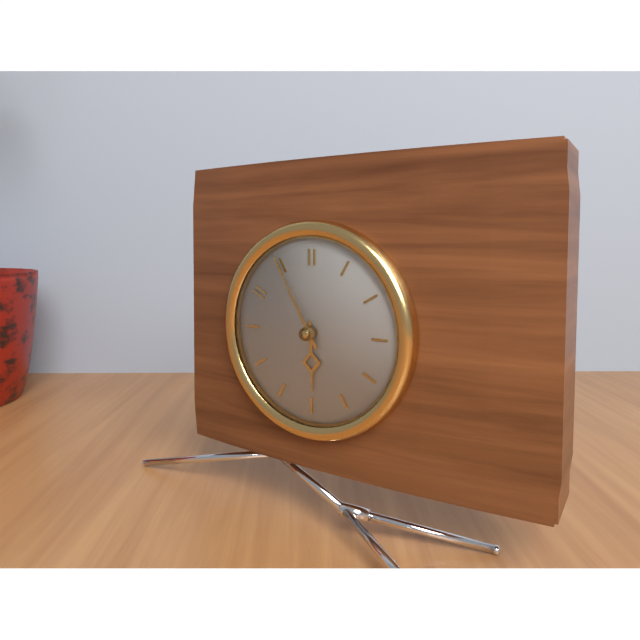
5:55
